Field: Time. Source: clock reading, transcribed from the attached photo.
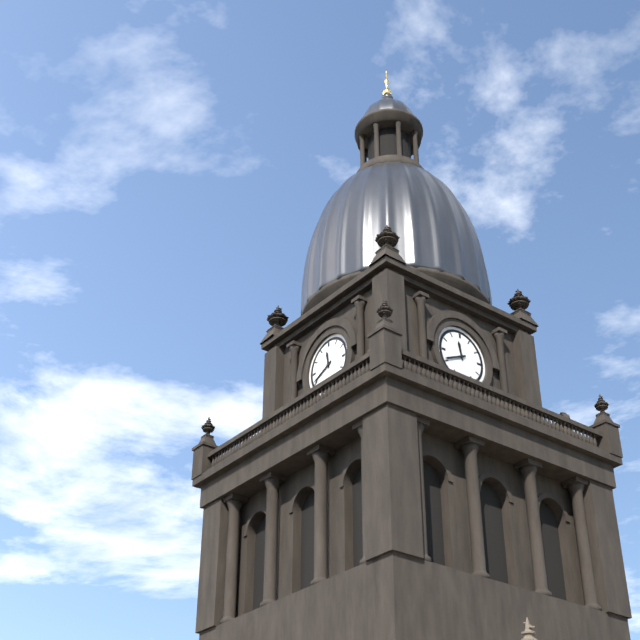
11:41
